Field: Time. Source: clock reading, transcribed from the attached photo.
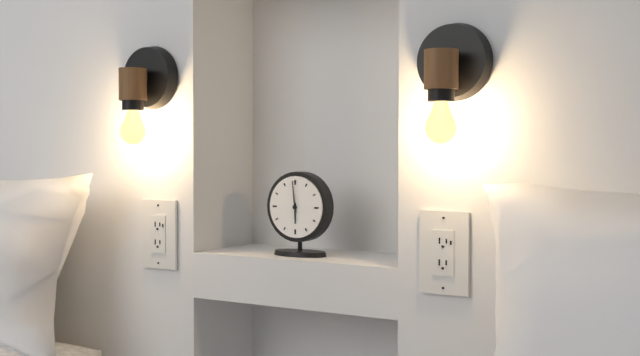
5:59
